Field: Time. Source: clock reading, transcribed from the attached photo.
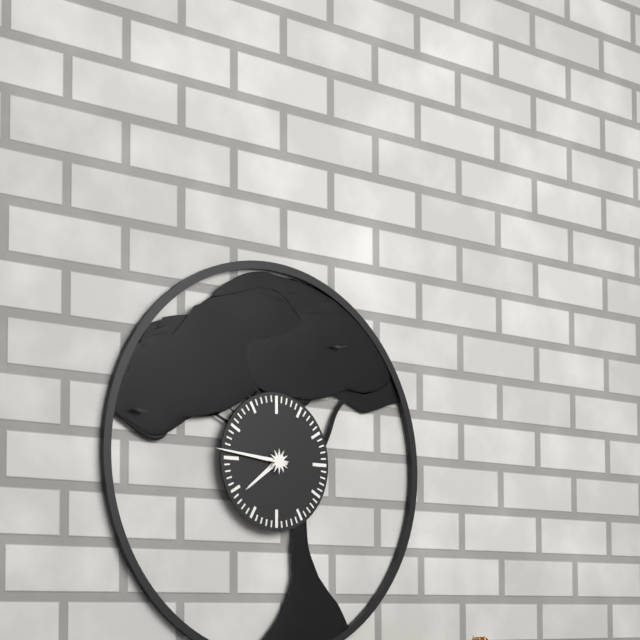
7:46
